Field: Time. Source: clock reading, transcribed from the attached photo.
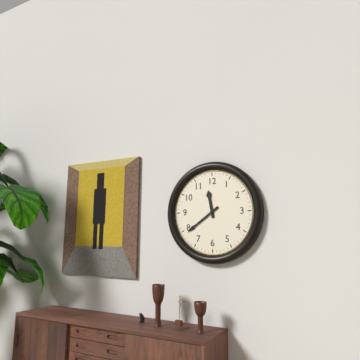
11:39
